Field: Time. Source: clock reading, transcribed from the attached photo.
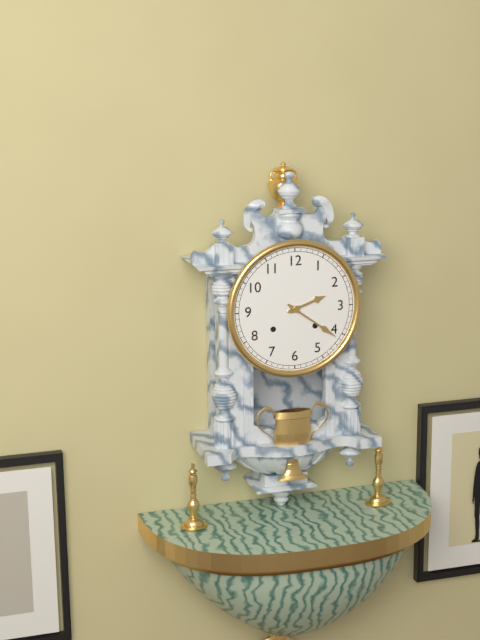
2:21
